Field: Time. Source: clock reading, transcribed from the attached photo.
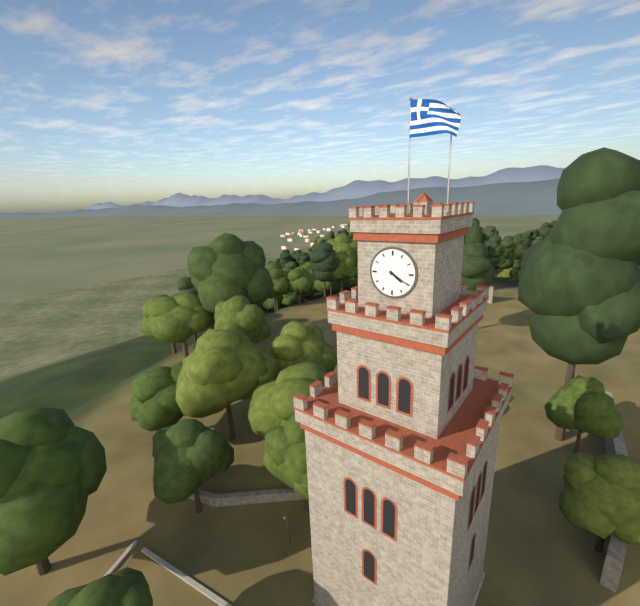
4:20
